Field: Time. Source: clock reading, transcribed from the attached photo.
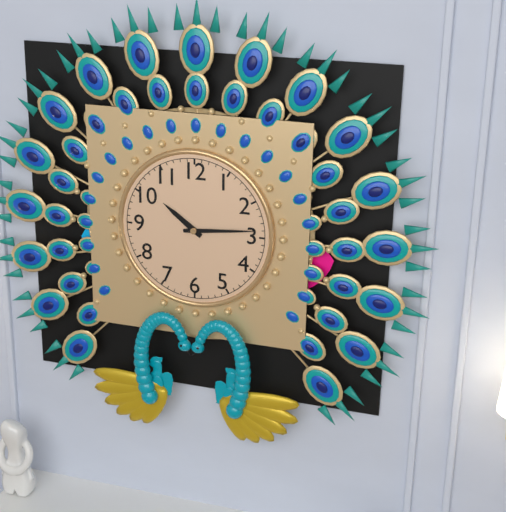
10:14
